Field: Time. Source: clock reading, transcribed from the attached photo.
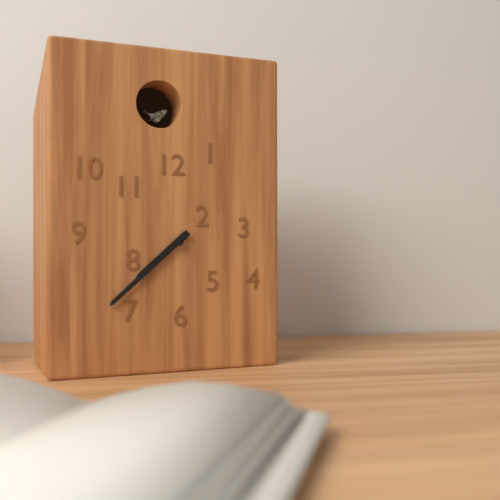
7:38
